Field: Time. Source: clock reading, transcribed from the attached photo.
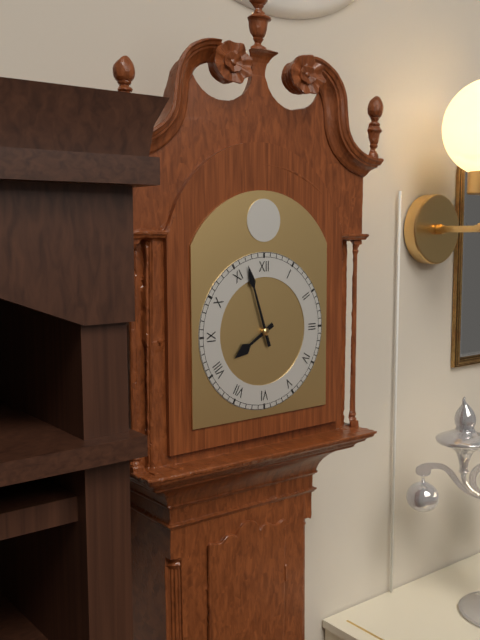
7:57
